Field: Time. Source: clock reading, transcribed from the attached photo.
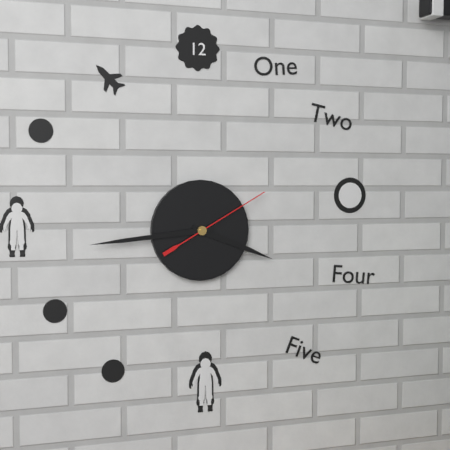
3:44:10
